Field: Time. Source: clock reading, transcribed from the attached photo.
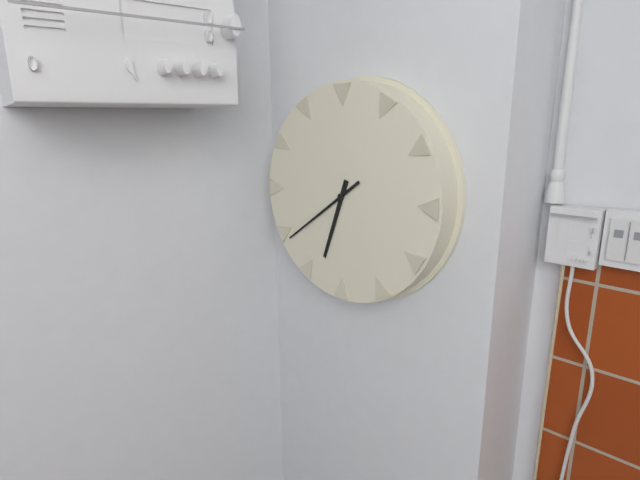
6:39
